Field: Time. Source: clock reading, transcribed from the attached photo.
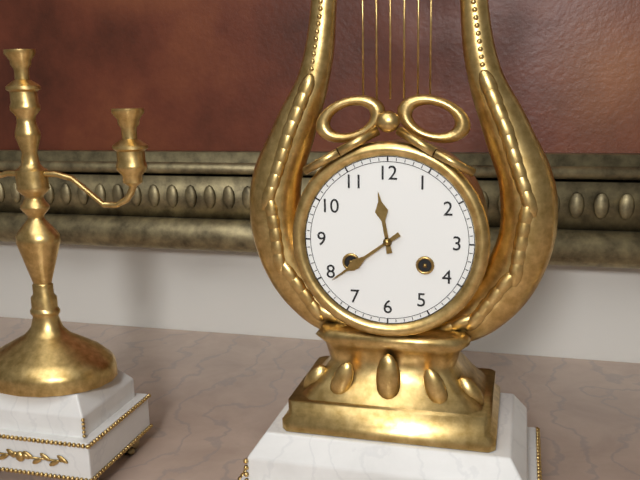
11:39
